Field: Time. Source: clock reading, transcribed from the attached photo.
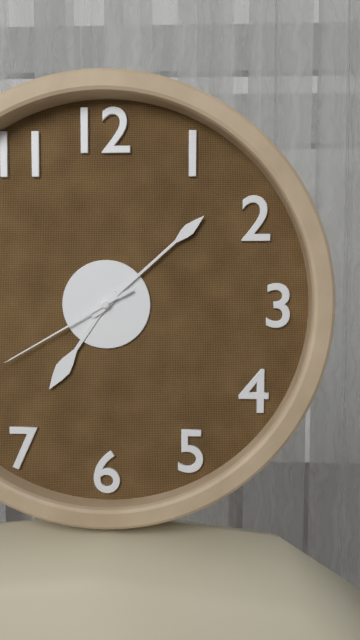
7:08:40
